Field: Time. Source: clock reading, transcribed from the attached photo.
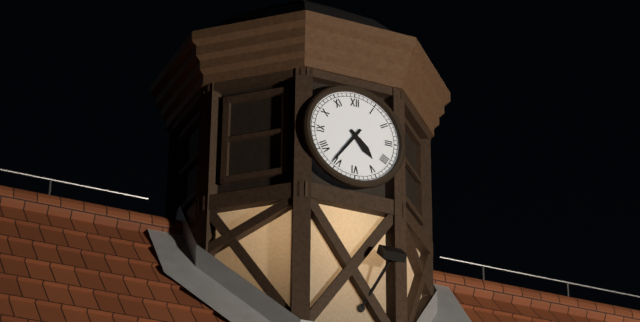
4:36
